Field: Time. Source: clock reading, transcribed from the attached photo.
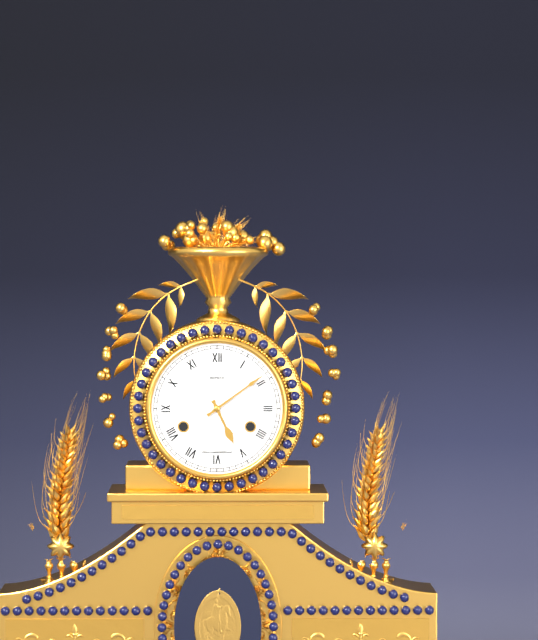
5:09
